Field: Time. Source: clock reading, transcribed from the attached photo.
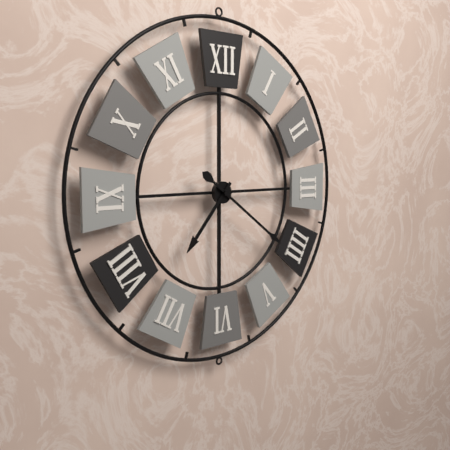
7:21
